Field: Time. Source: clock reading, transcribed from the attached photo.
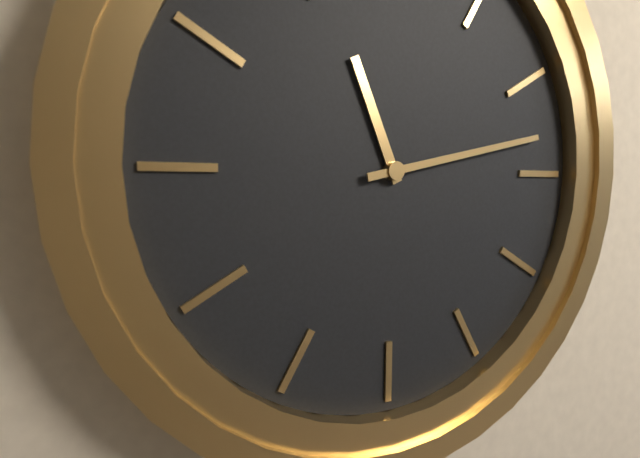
11:13
